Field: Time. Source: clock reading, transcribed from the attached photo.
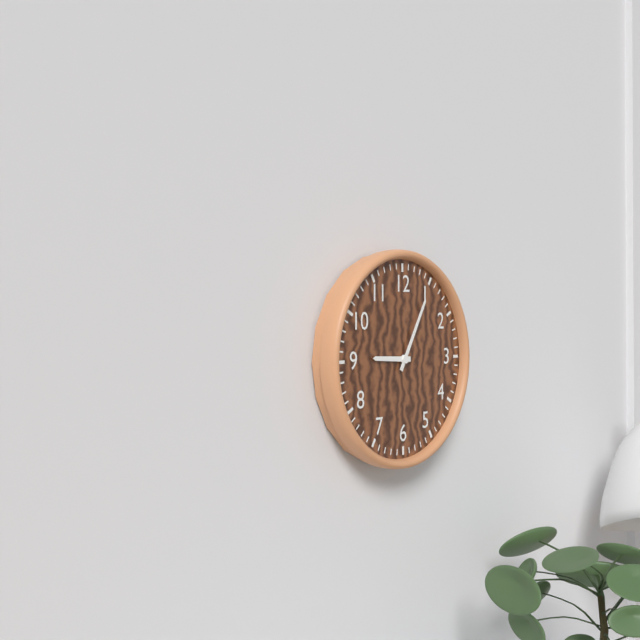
9:05
